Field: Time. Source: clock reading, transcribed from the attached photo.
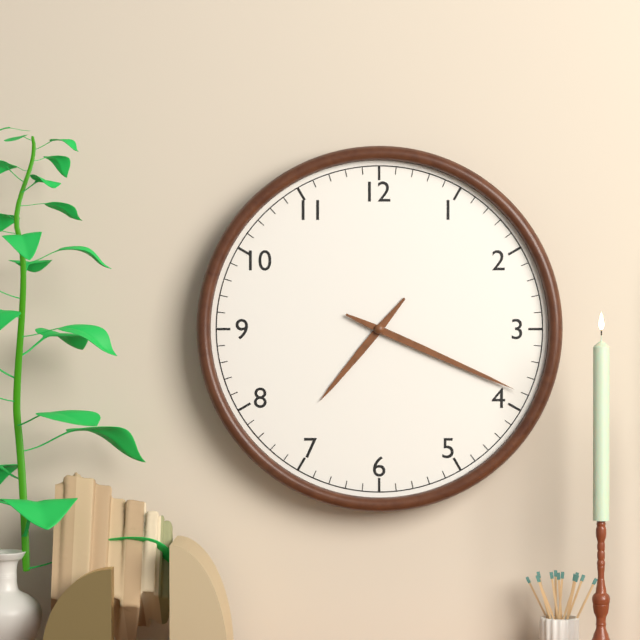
7:19
